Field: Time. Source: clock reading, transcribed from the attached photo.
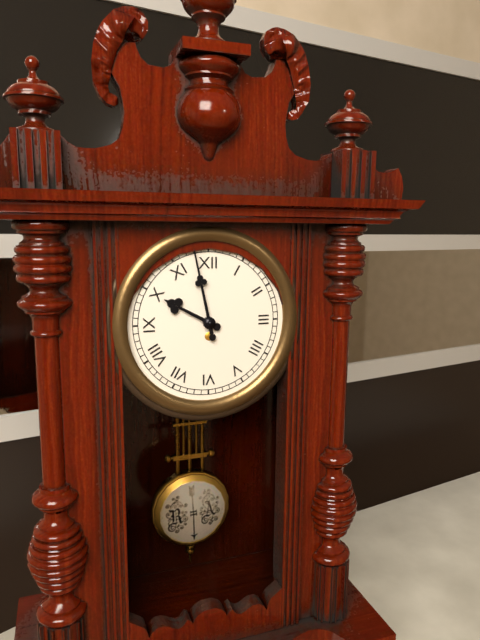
9:58
